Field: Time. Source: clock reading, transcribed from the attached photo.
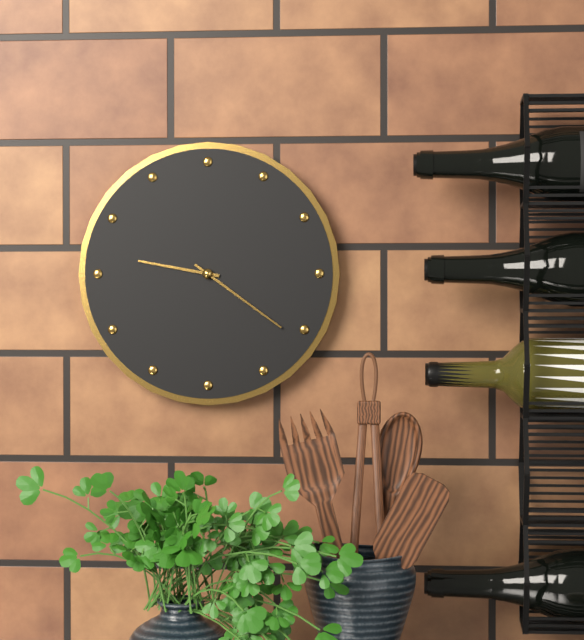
9:21
